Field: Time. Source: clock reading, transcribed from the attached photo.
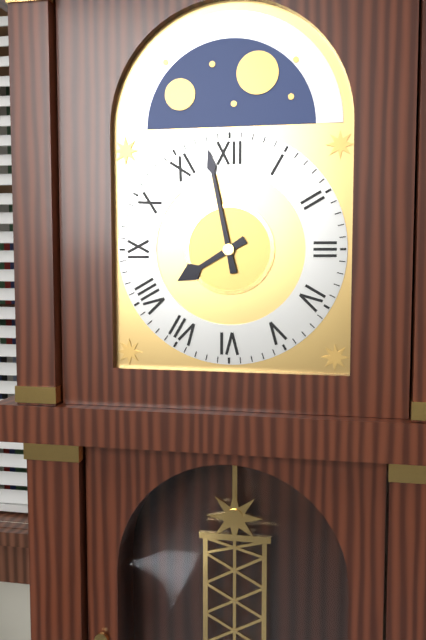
7:58
